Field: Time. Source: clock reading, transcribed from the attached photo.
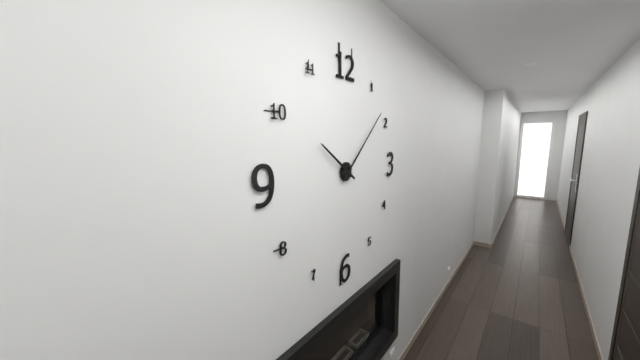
10:08
